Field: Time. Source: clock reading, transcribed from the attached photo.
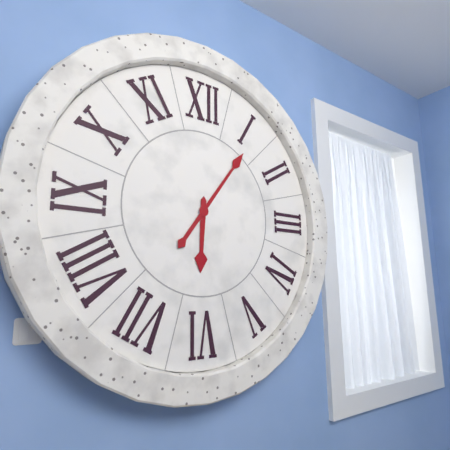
6:06
